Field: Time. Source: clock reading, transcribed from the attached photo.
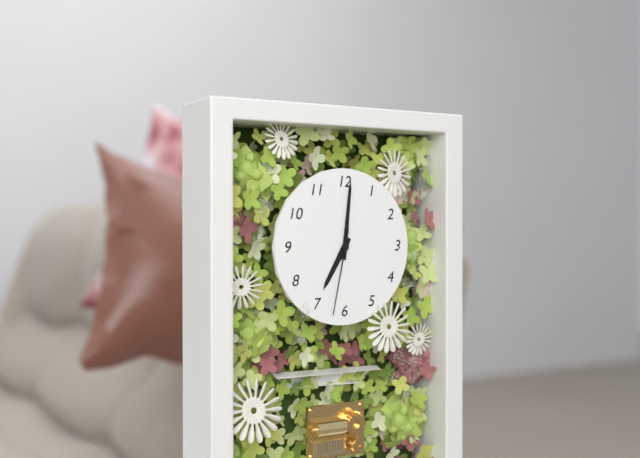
7:01:32
